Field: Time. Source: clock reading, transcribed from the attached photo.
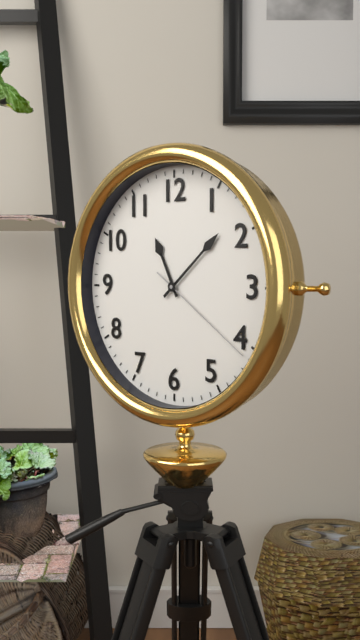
11:08:21
